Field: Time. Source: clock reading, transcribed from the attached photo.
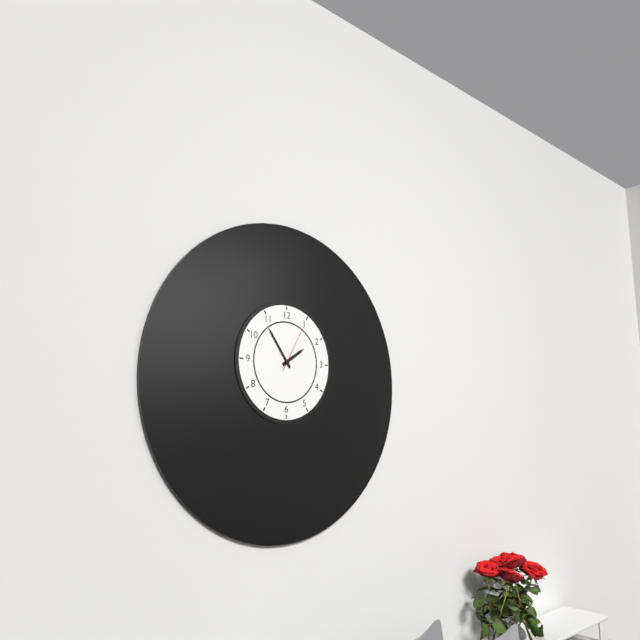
1:54:05
